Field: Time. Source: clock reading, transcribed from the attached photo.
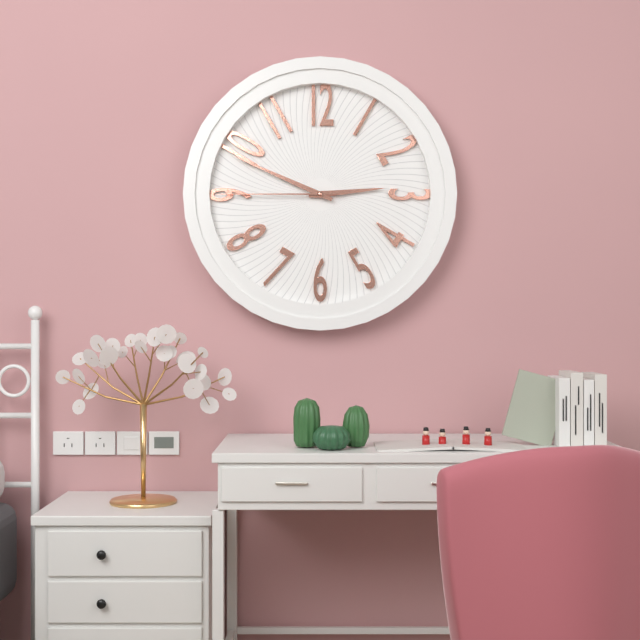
2:49:45
